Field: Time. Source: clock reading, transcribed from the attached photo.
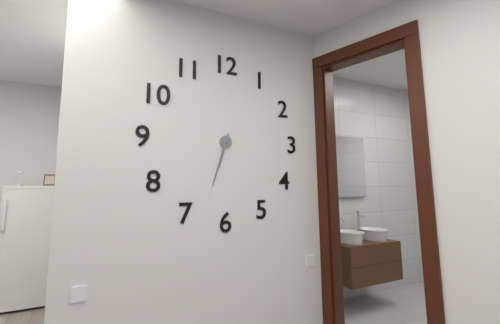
6:33
